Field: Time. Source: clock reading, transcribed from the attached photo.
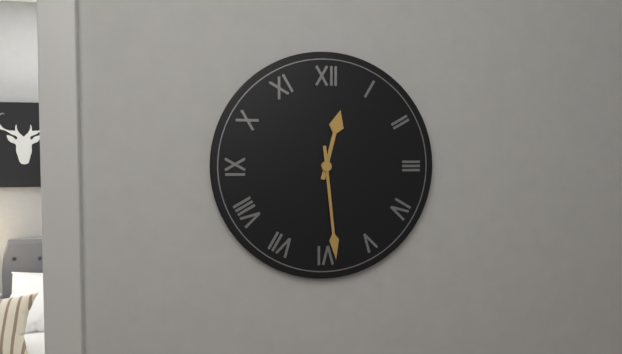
12:29
